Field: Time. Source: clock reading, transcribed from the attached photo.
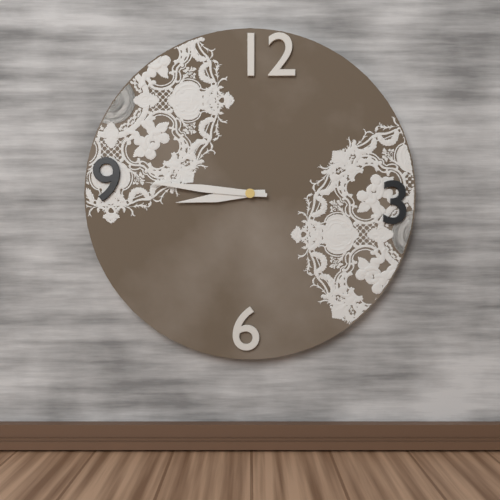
8:46
